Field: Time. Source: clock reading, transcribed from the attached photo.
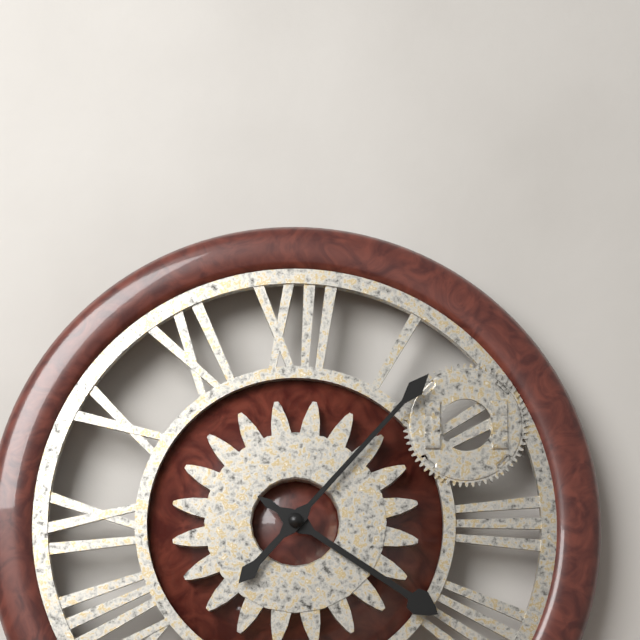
4:07
